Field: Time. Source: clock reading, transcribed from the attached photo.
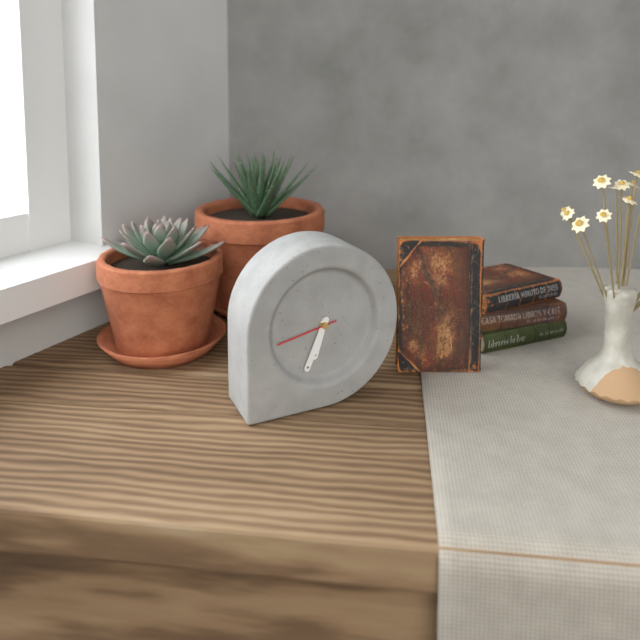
6:34:43
